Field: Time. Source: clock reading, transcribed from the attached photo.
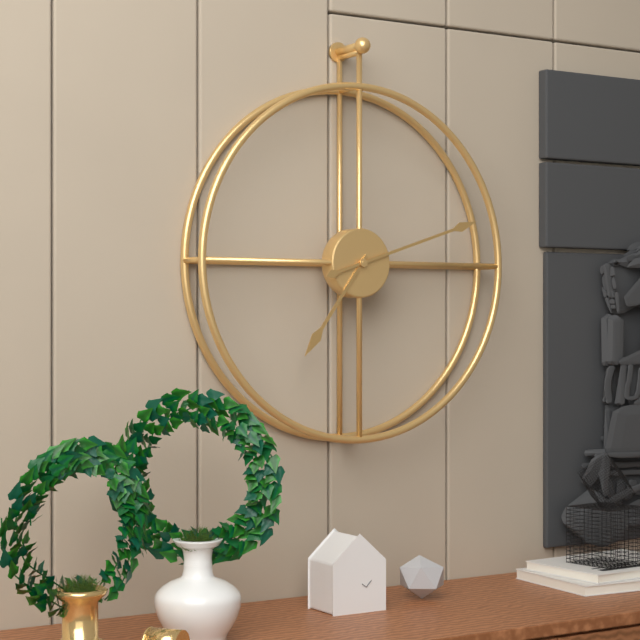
7:12
